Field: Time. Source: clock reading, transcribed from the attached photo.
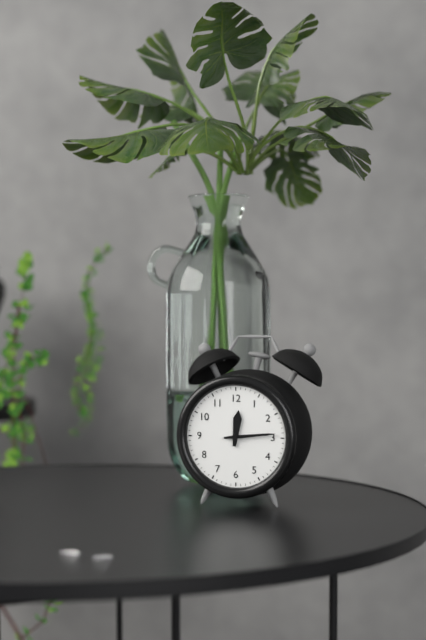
12:14
